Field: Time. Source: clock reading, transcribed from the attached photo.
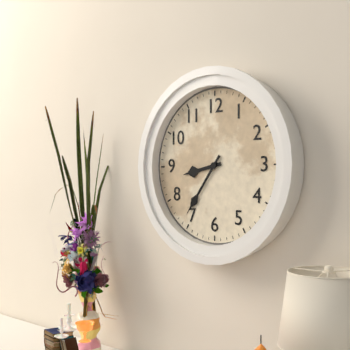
8:36
